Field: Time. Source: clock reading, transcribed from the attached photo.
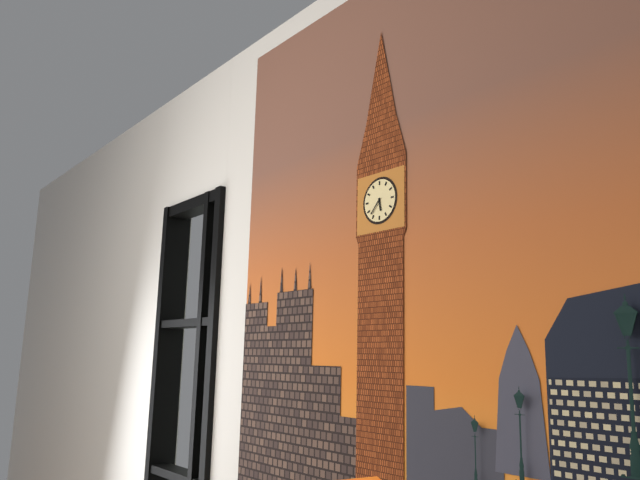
5:37
